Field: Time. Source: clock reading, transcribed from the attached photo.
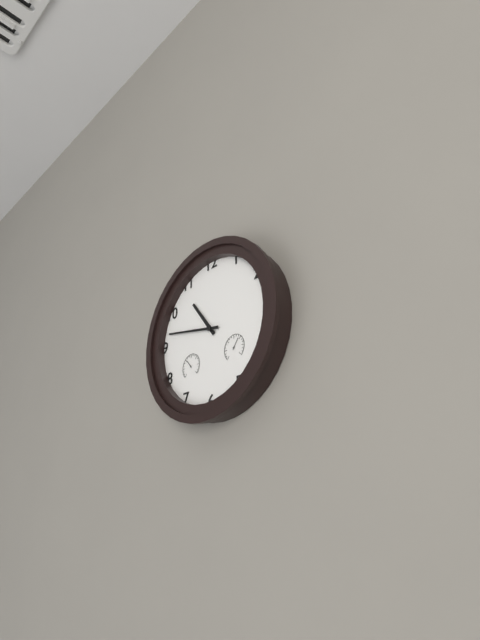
10:47
